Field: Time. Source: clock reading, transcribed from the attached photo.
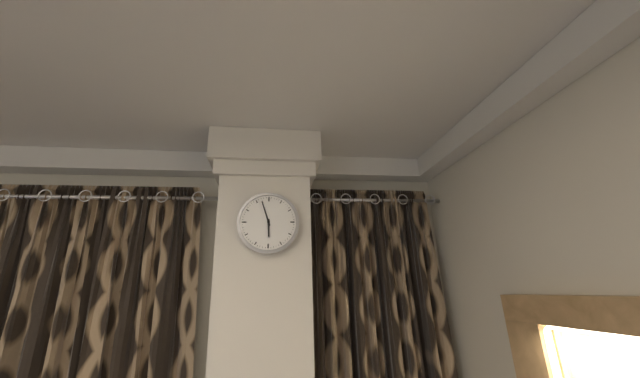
5:57
